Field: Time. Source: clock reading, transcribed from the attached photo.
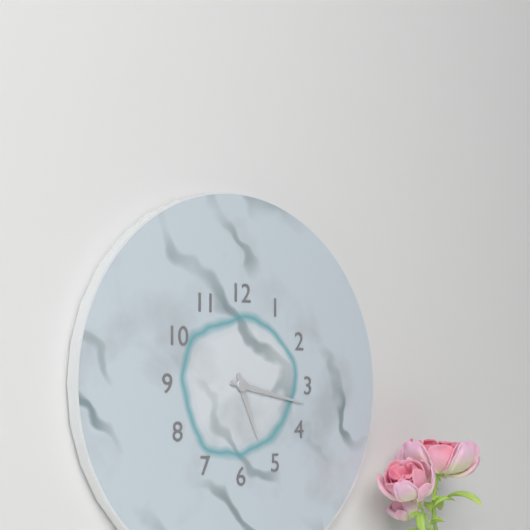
5:17
